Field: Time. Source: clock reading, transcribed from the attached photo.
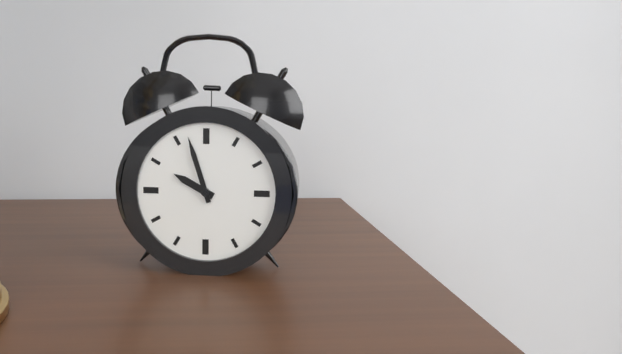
9:57
